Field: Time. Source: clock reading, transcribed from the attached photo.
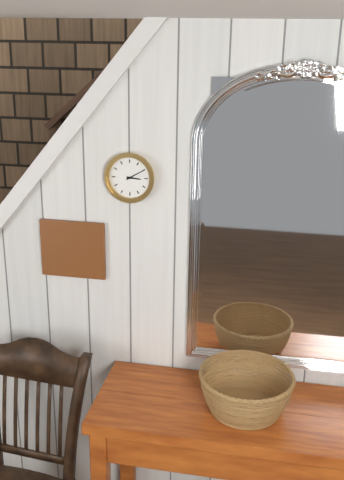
3:10
